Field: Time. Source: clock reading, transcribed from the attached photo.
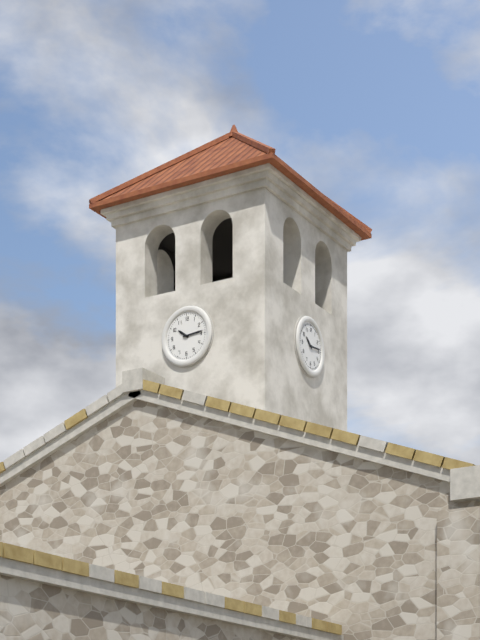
10:14
